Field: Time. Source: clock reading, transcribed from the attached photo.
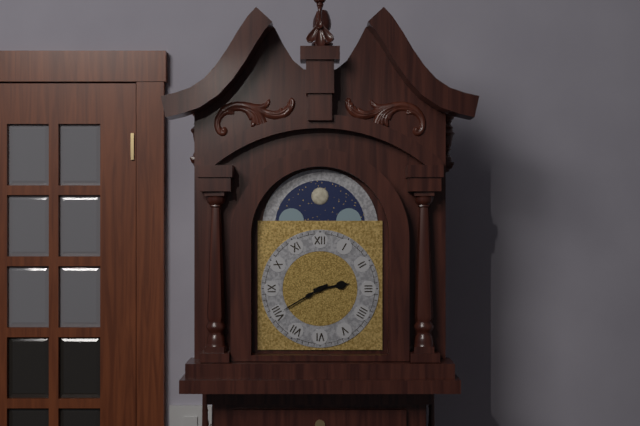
2:40
